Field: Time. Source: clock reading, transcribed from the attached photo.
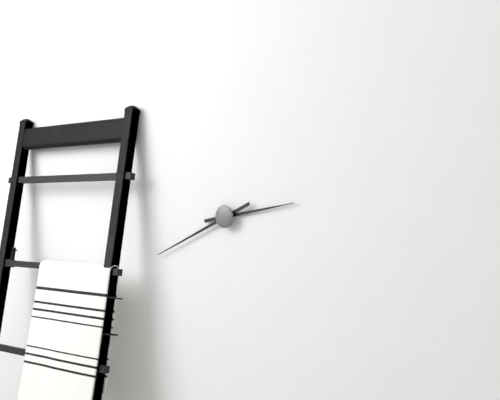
2:41
